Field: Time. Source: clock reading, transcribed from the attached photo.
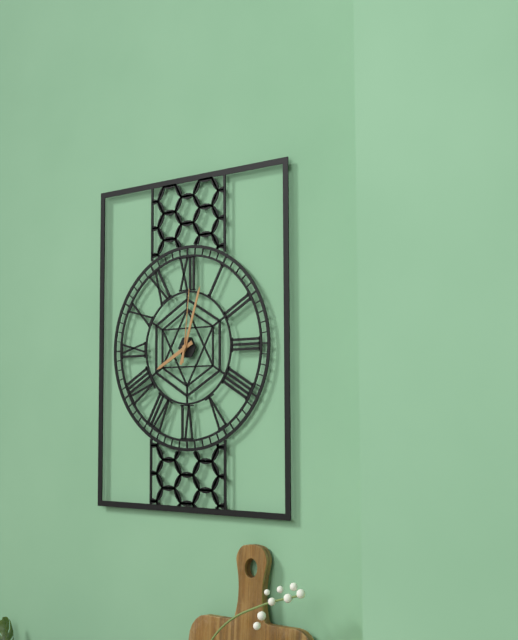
8:03:01
